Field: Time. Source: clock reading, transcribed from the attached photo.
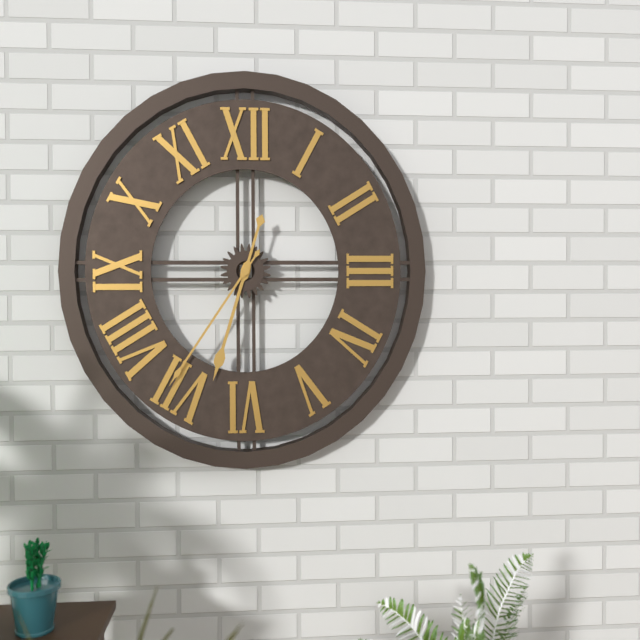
6:36
